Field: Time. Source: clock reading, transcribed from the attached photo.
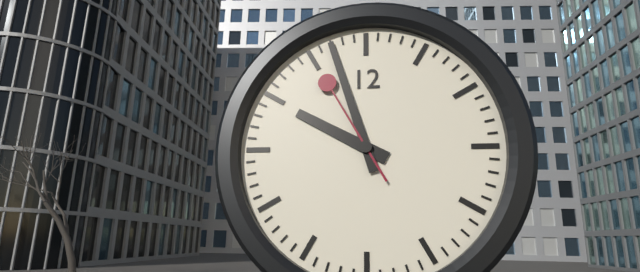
9:57:55
